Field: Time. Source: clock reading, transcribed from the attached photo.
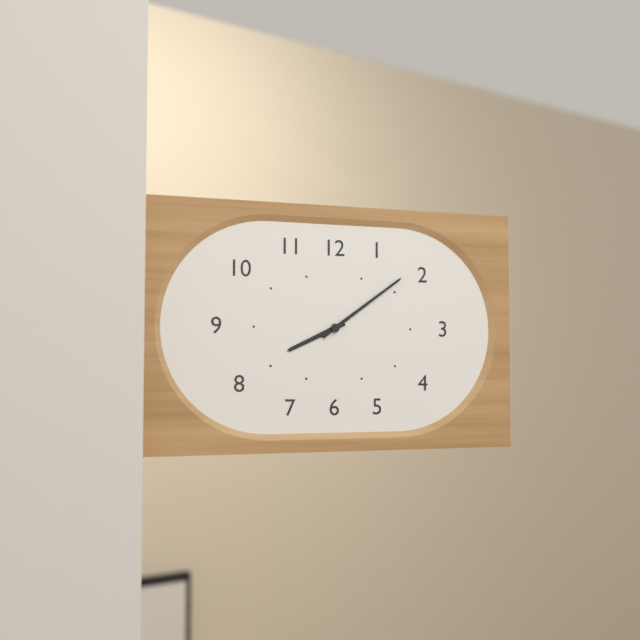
8:09
